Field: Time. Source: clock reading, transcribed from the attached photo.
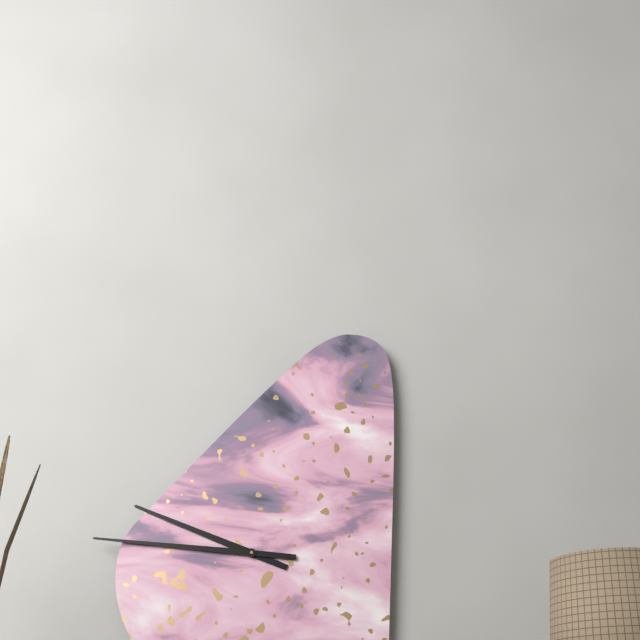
9:46
